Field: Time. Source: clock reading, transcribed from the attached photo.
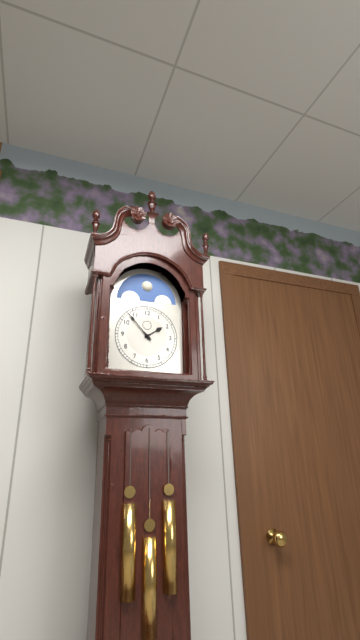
1:53
